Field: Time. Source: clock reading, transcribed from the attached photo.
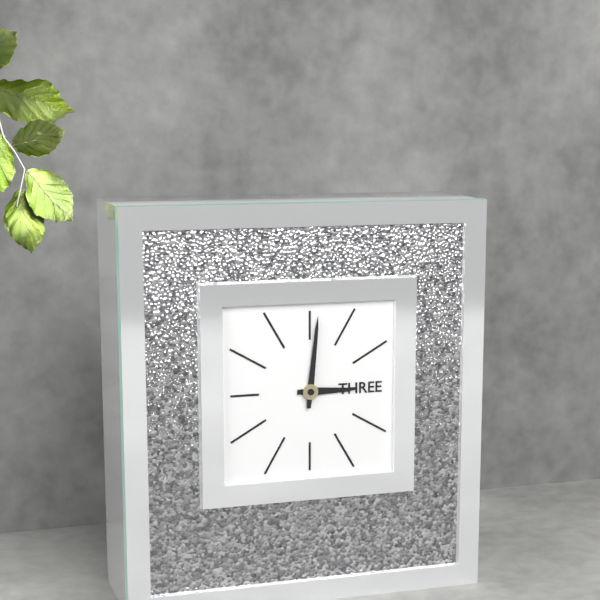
3:01
